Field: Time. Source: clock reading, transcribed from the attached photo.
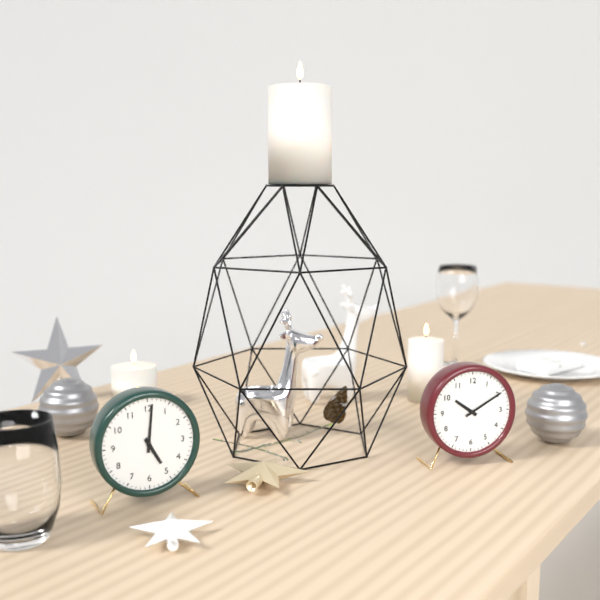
5:01
